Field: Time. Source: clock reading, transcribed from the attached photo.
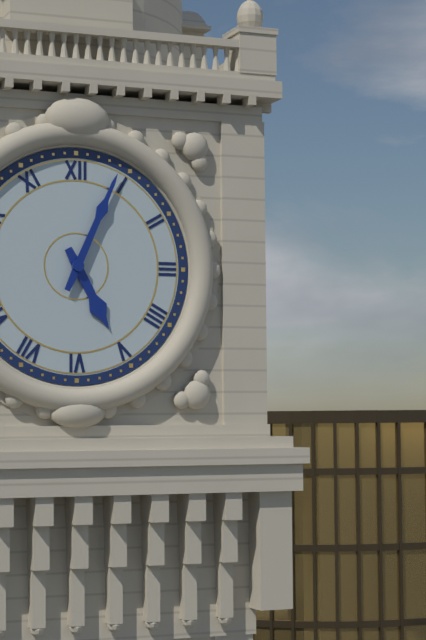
5:04
